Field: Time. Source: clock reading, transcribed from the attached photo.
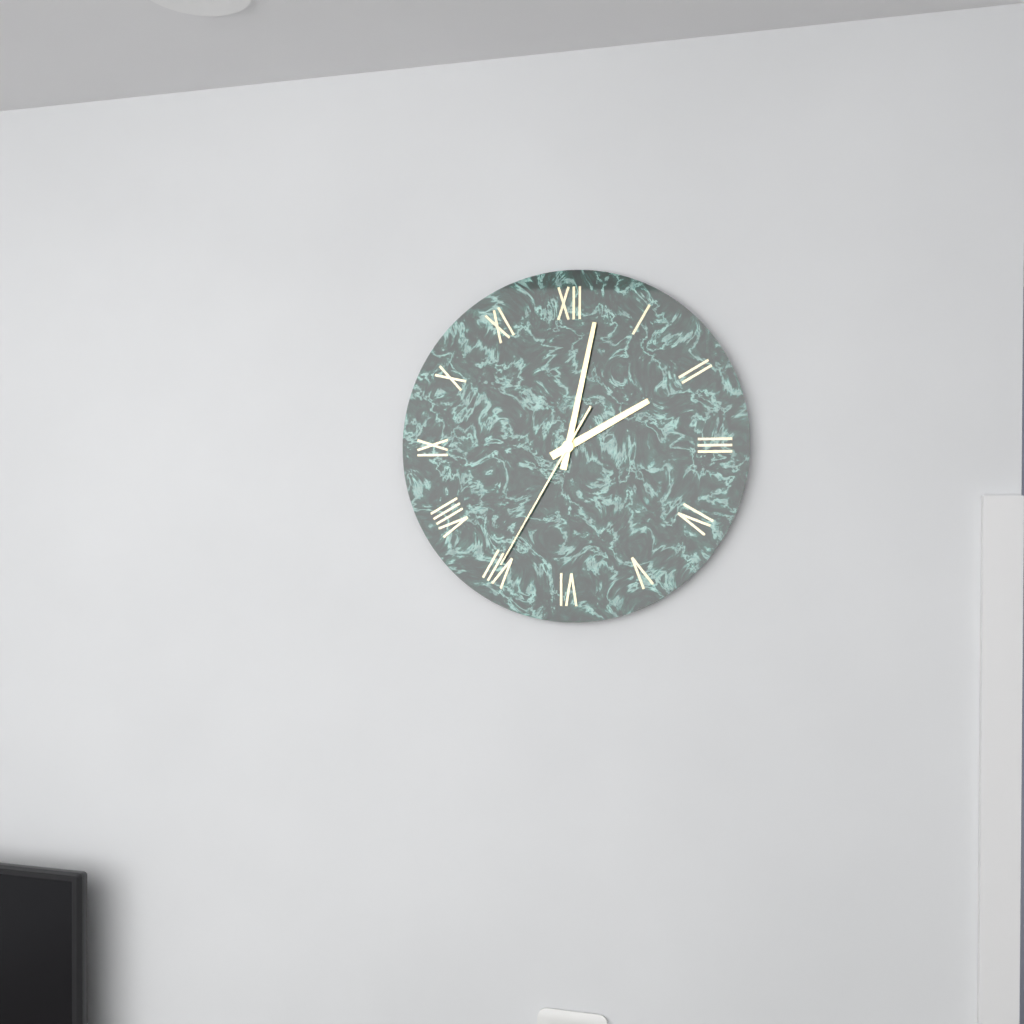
2:02:35
